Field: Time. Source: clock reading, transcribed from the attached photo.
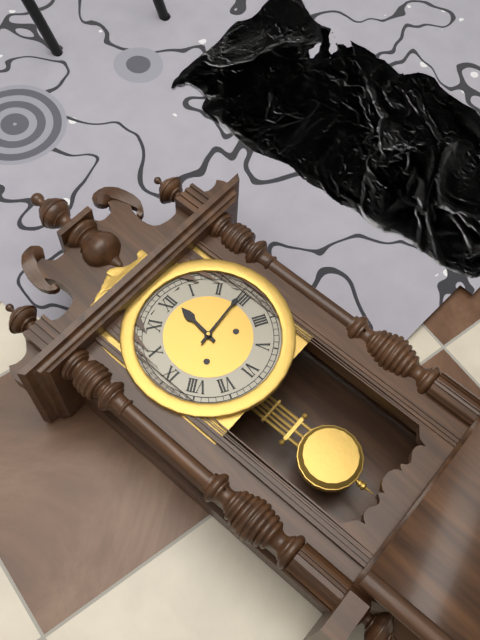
12:14
